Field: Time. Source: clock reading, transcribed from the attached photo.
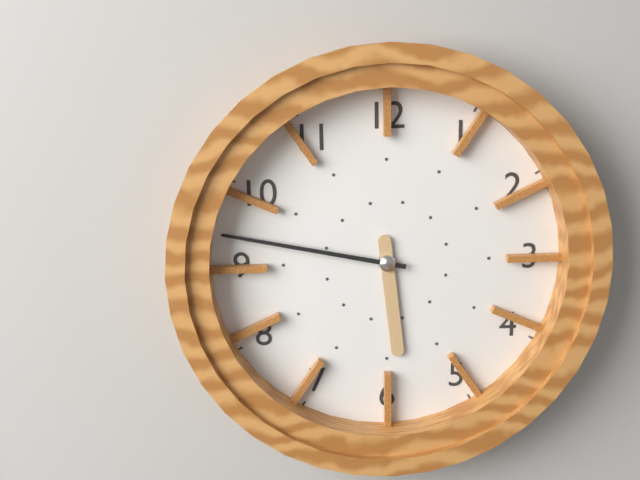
5:47
